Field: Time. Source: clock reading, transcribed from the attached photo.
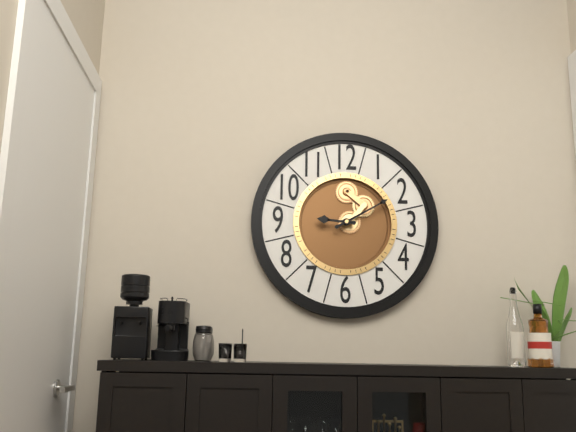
9:10
